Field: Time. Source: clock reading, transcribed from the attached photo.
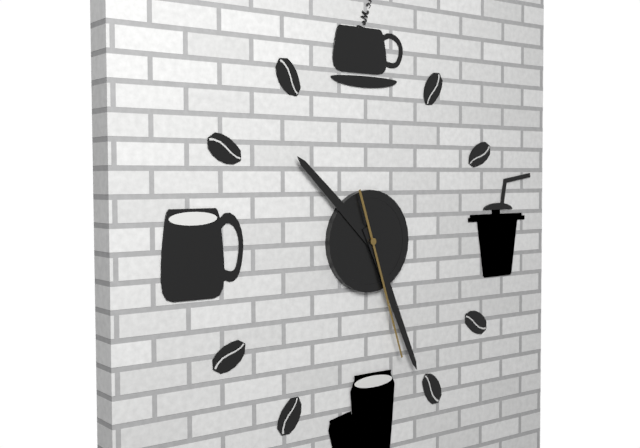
10:26:27
